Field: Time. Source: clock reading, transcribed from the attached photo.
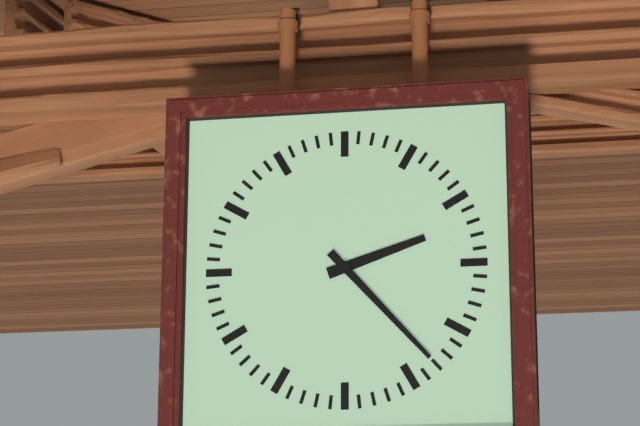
2:23
